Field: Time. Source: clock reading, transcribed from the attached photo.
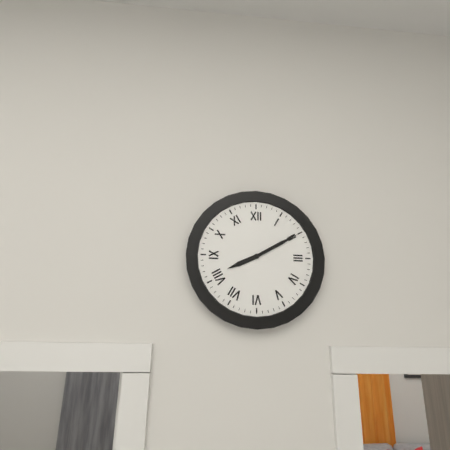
8:10
